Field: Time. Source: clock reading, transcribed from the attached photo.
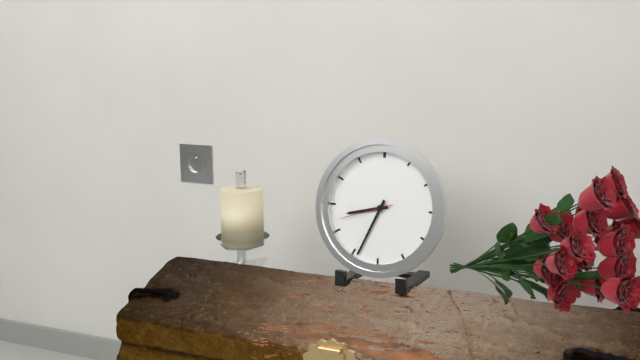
8:34:42
